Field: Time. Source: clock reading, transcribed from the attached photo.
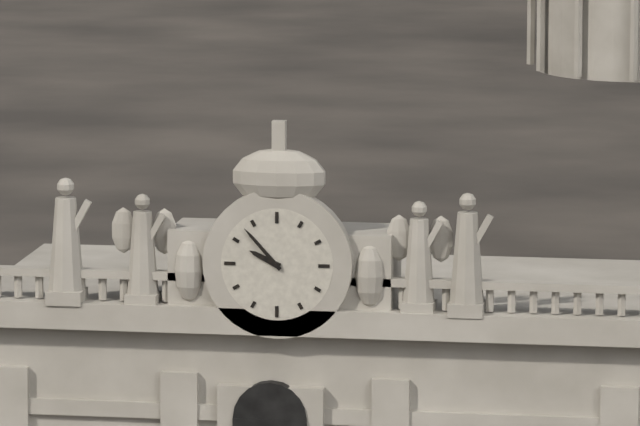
9:53
